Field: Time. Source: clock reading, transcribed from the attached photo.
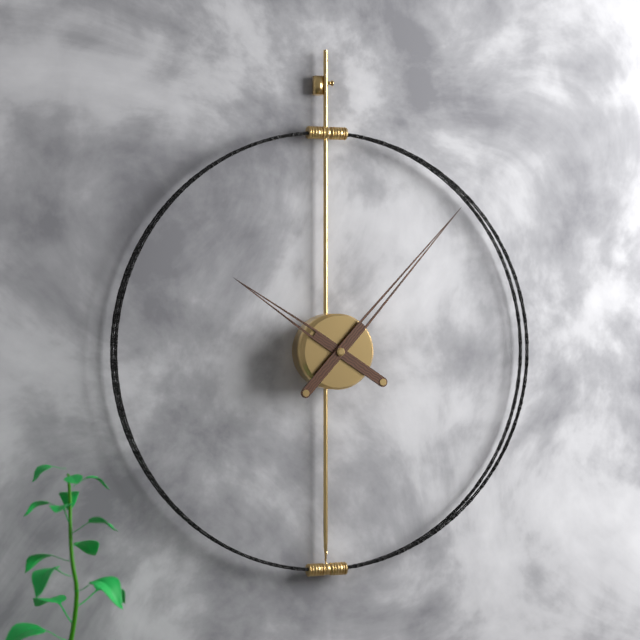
10:07
